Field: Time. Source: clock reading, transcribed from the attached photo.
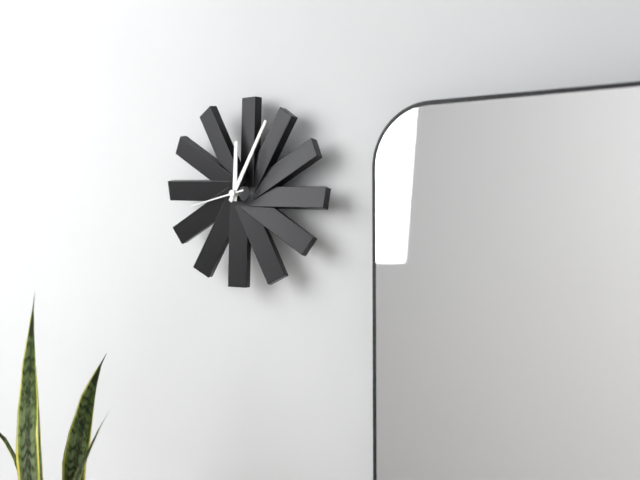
12:05:43
